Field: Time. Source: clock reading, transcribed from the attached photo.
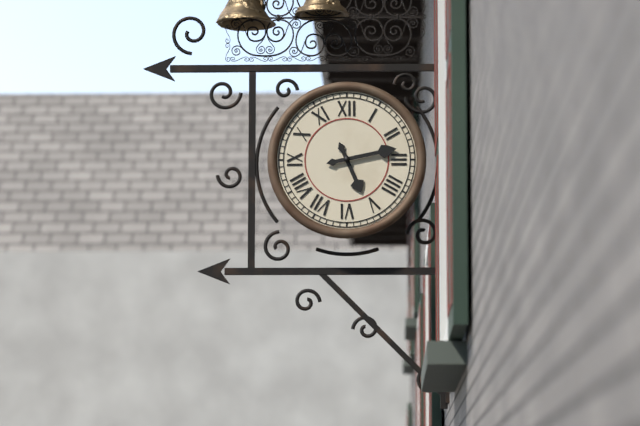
5:13
